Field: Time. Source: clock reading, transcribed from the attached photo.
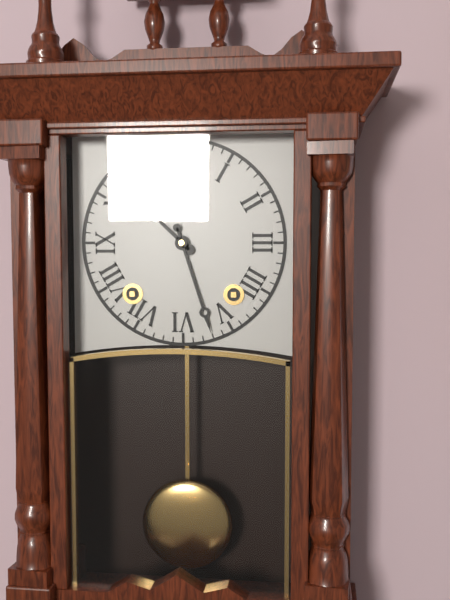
10:27
